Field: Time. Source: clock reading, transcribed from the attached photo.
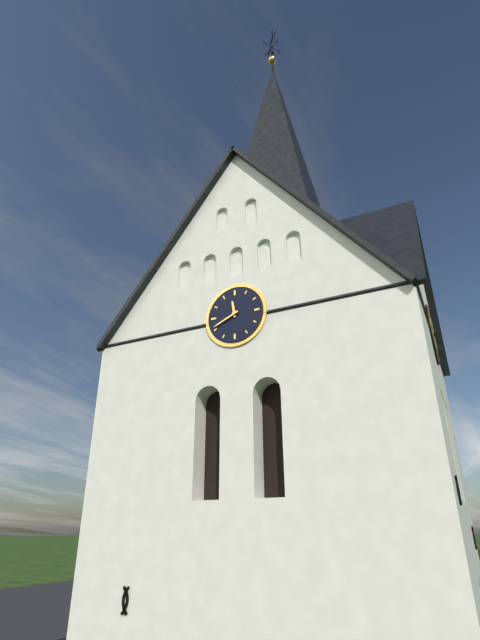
11:41
